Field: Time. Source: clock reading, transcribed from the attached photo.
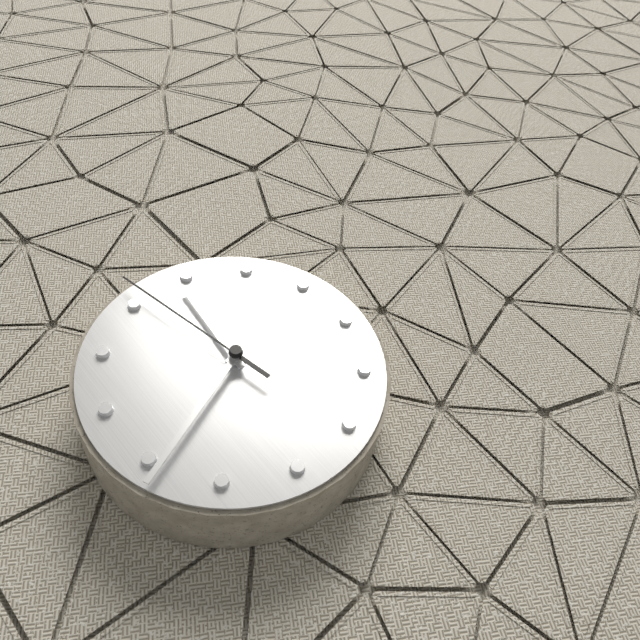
1:49:06
